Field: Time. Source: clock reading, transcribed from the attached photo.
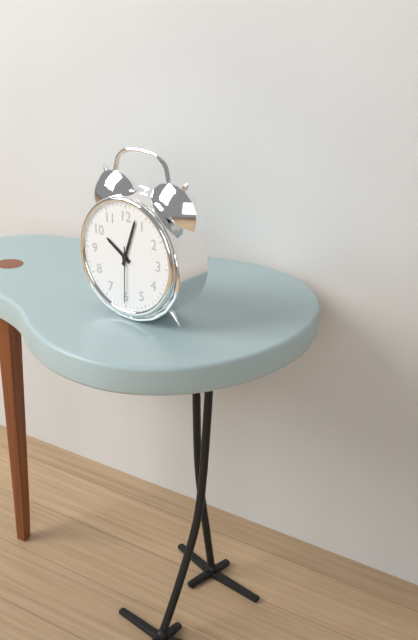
10:03:30
